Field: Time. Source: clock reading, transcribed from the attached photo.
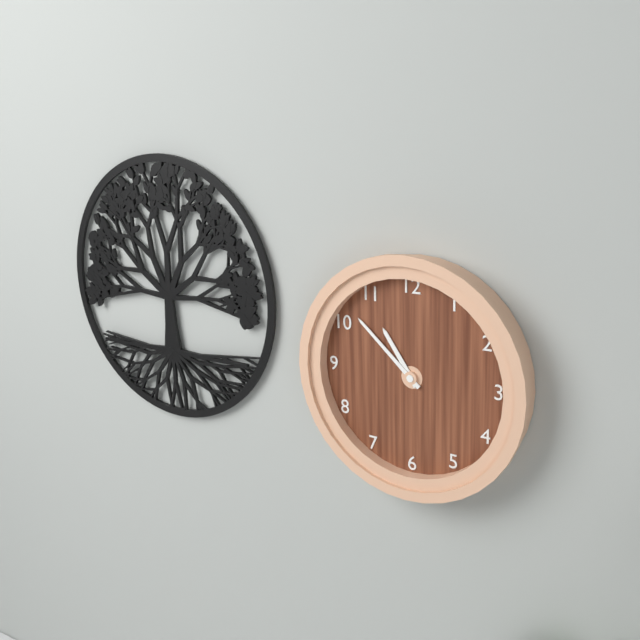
10:52
